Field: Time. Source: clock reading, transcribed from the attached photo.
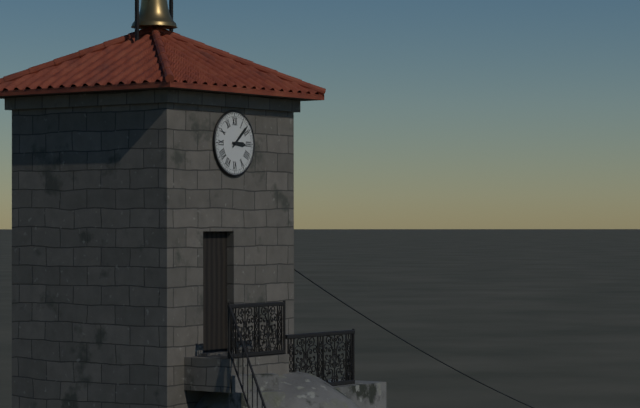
3:08
